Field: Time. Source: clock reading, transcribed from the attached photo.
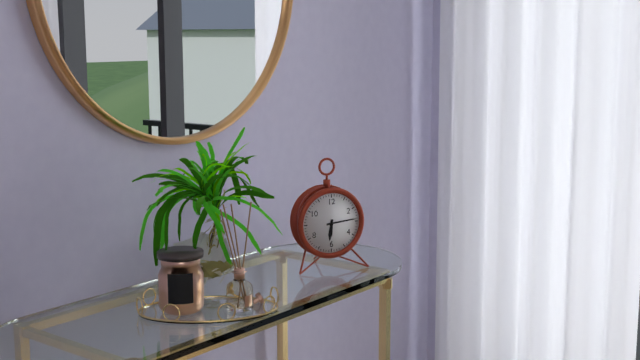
6:14
